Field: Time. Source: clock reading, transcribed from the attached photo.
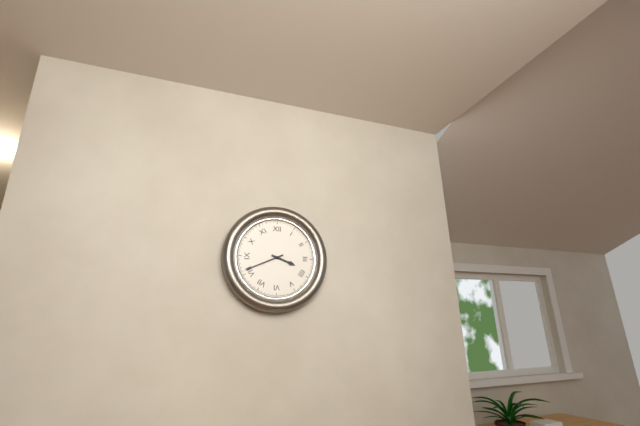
3:41
